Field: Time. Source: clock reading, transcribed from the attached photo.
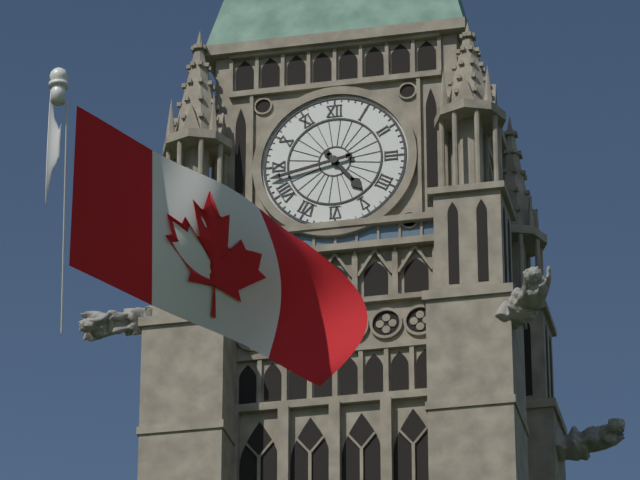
4:43
